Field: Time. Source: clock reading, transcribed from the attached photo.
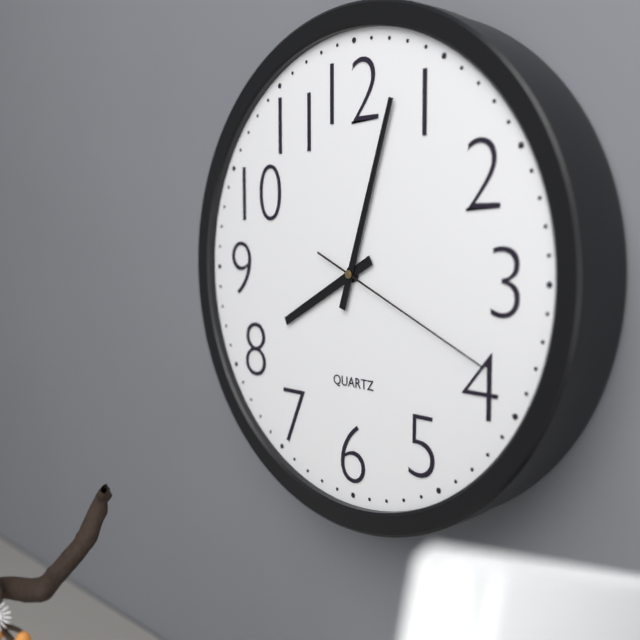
8:03:19
